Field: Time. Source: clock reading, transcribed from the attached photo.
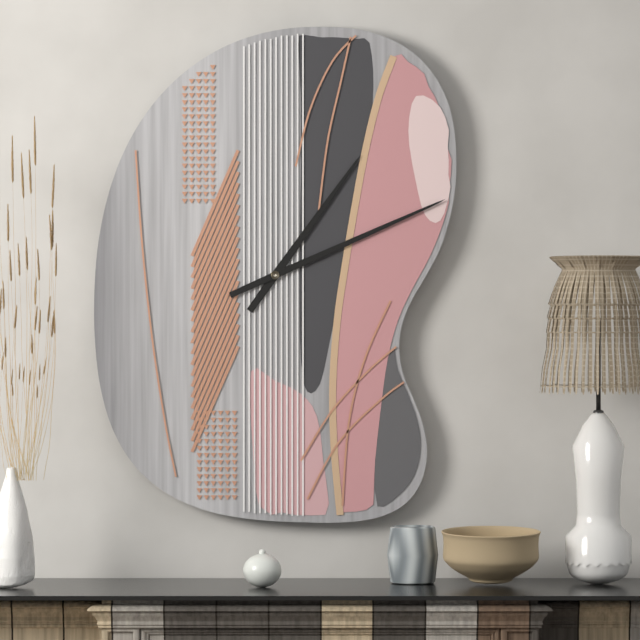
1:11
